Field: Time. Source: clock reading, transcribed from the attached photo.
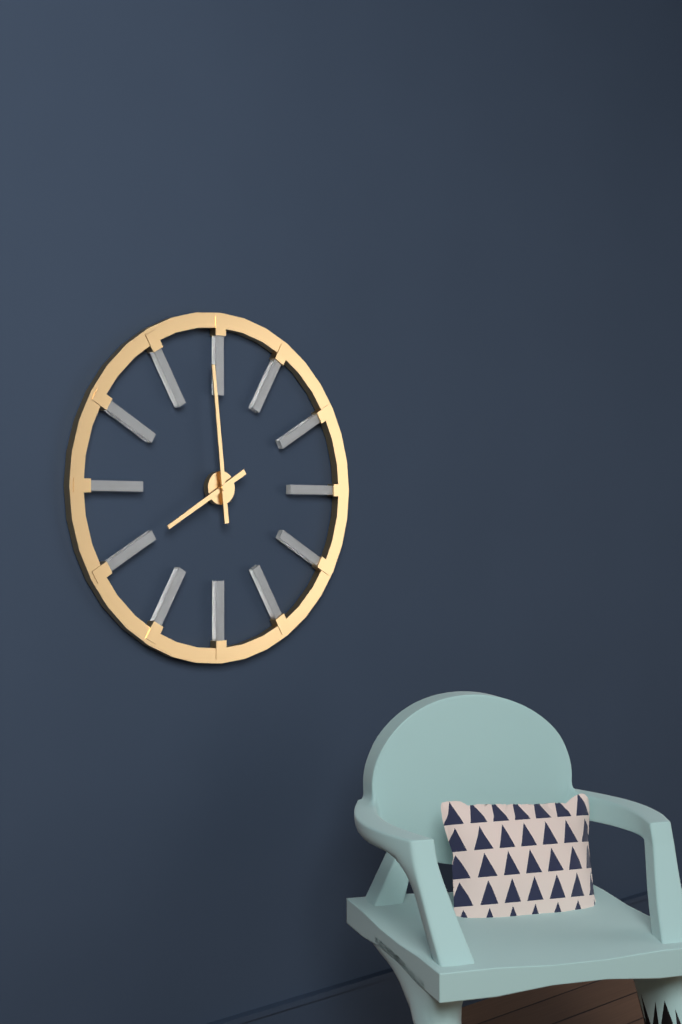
7:59
